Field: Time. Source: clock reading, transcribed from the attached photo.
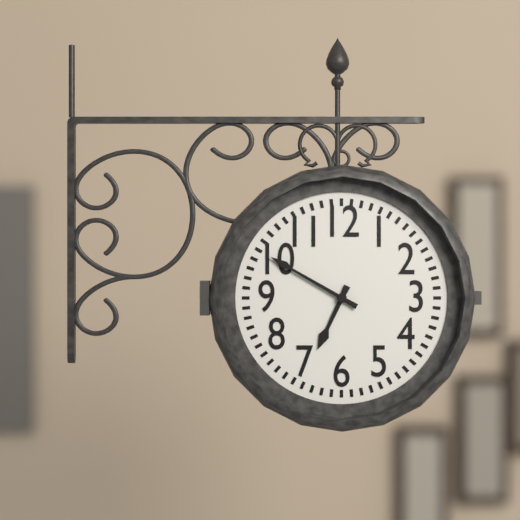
6:50
